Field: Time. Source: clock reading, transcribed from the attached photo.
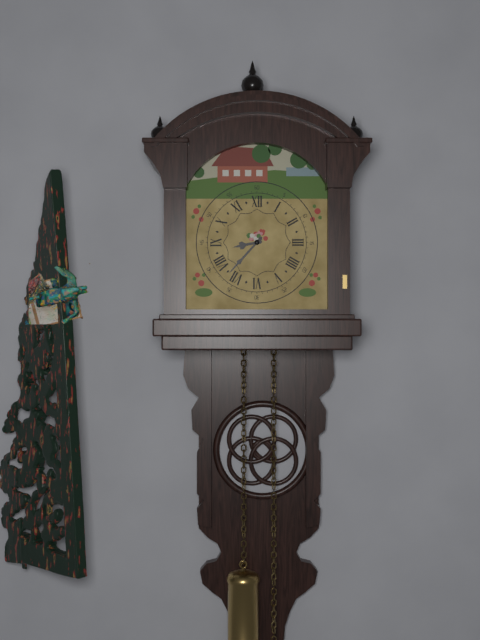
8:37
